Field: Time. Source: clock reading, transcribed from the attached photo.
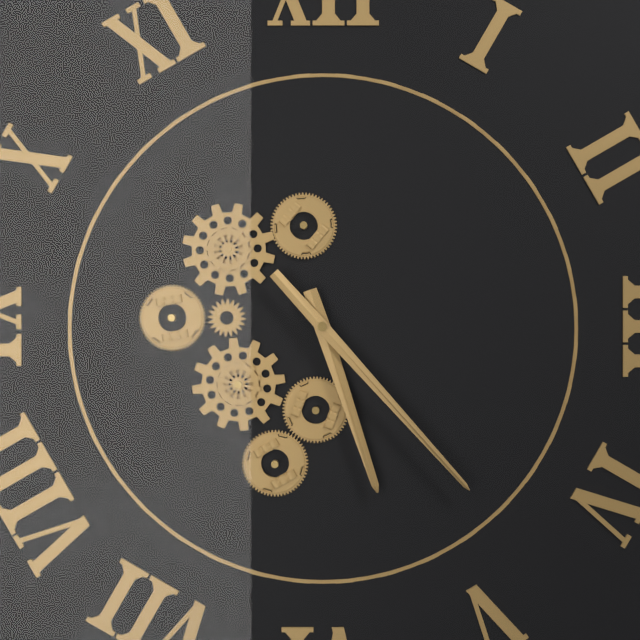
5:23
